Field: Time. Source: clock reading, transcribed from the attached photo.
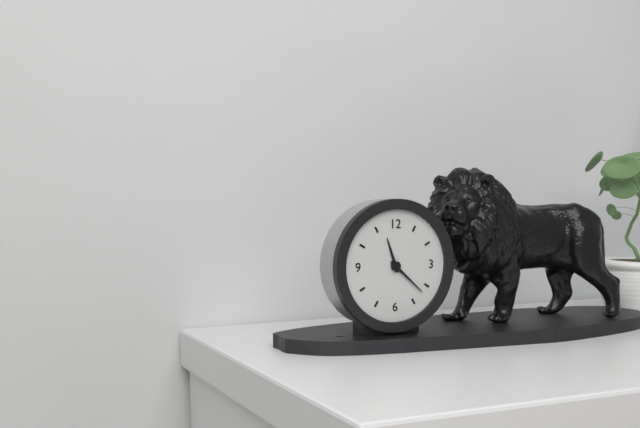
11:22
